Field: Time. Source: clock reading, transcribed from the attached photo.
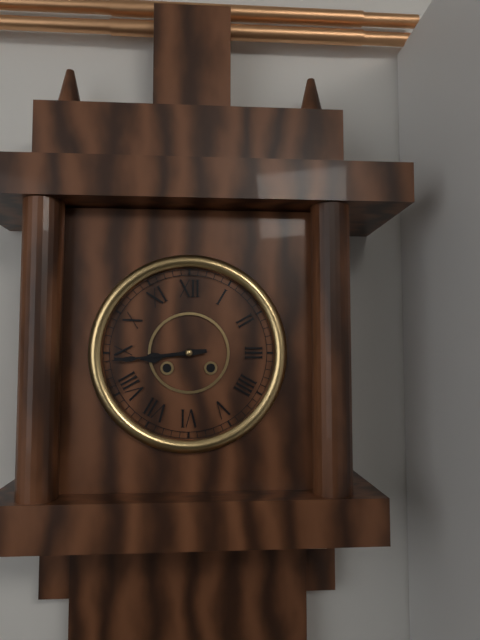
8:44
